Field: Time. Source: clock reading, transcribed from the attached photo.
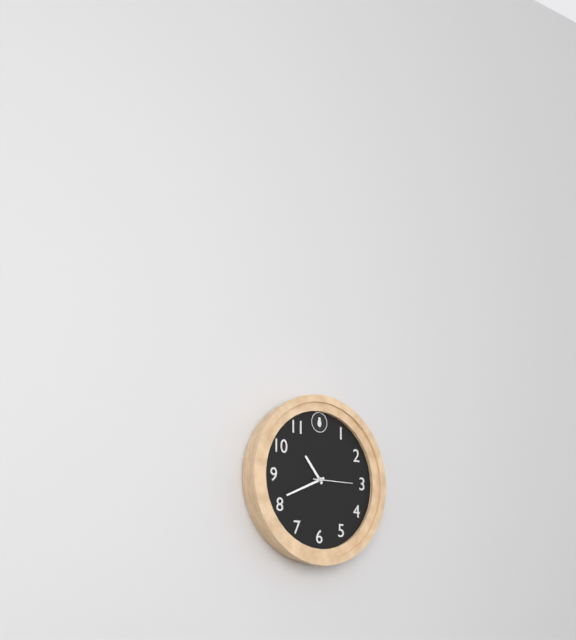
10:41
